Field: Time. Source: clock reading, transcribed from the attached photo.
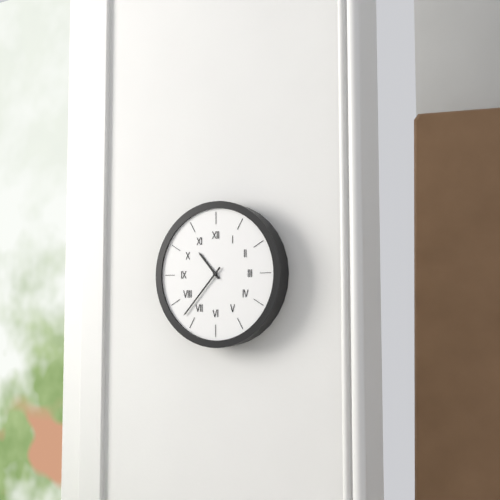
10:37
